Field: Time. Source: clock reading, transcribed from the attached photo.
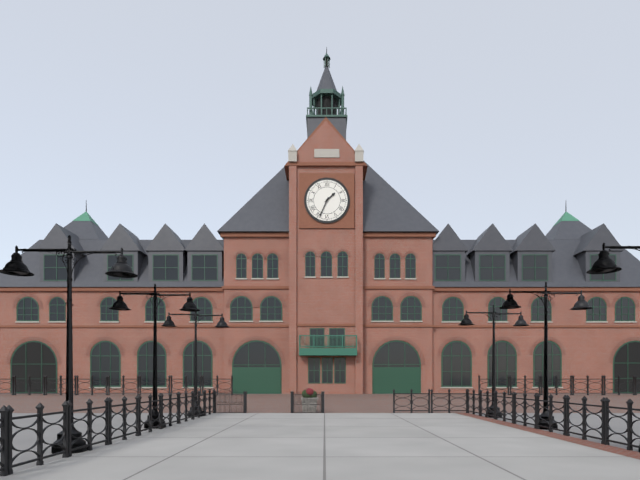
1:34
